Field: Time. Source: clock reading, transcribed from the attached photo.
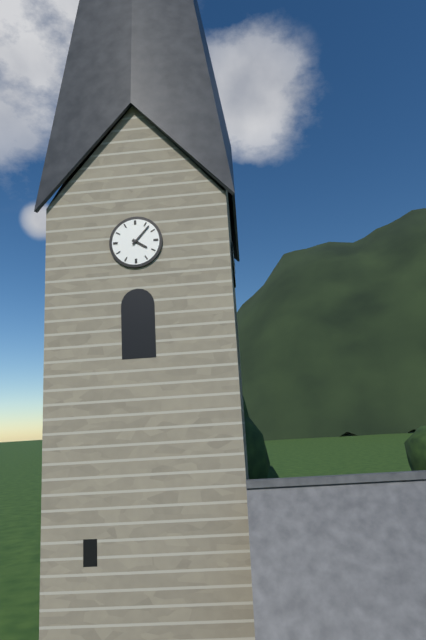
4:07
